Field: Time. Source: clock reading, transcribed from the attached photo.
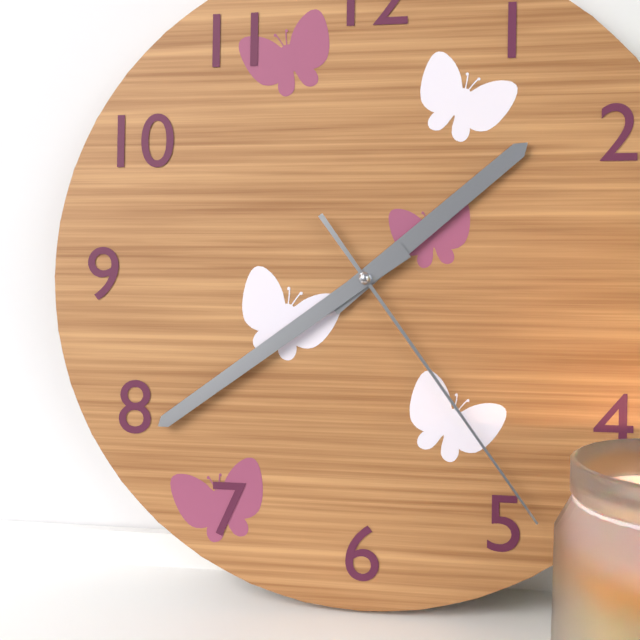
1:39:24
